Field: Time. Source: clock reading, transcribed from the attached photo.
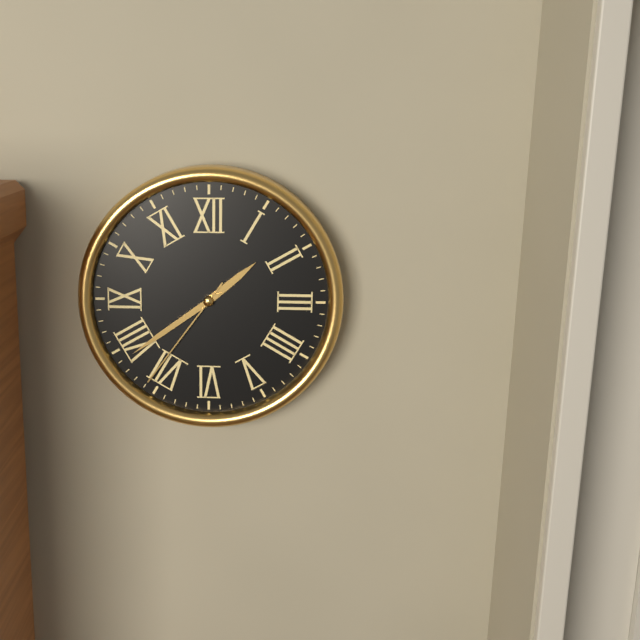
1:39:36
